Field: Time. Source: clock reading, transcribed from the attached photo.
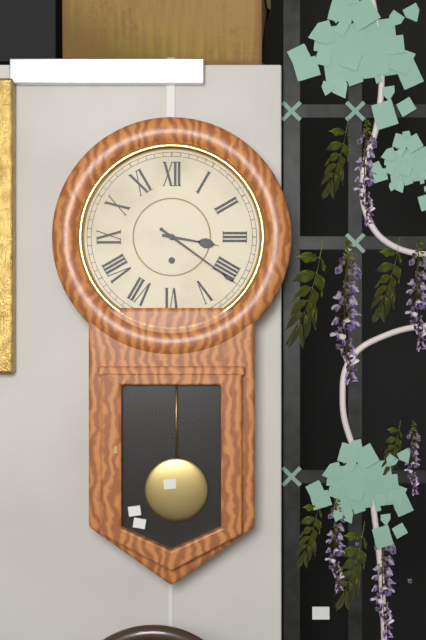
3:21
